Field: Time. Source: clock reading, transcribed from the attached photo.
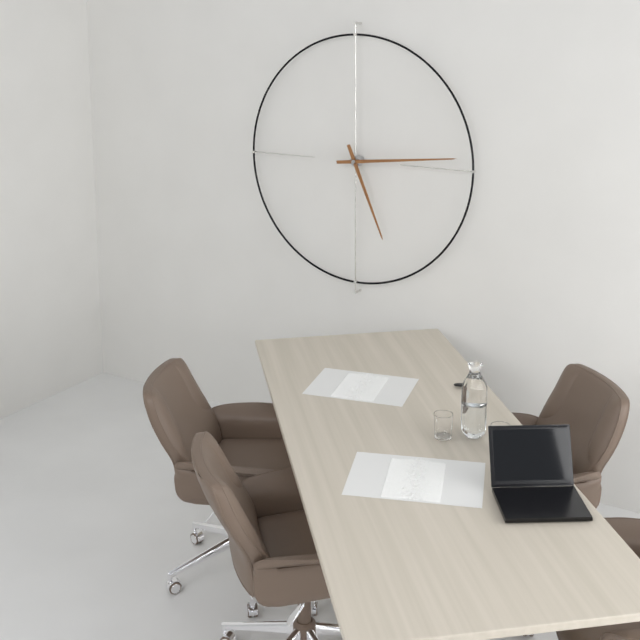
5:14
